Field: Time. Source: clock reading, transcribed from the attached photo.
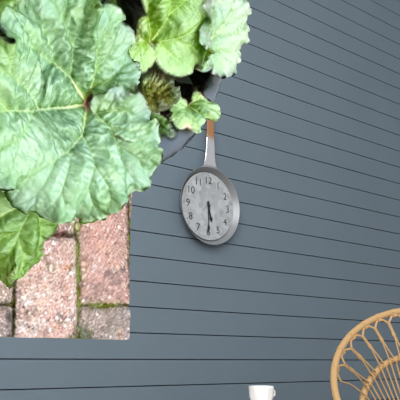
5:30
